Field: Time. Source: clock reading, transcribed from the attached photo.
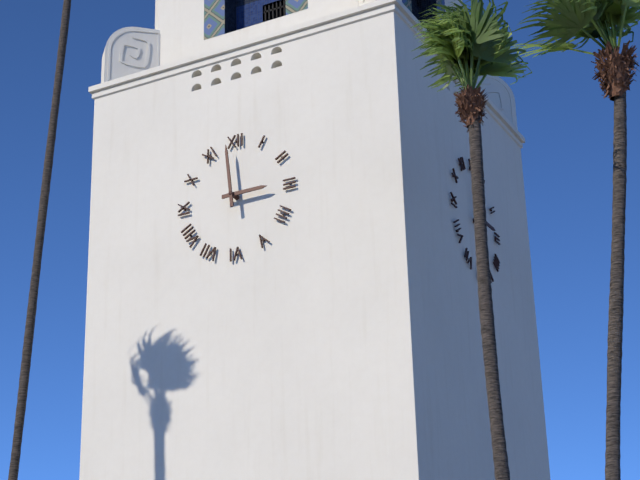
2:59
